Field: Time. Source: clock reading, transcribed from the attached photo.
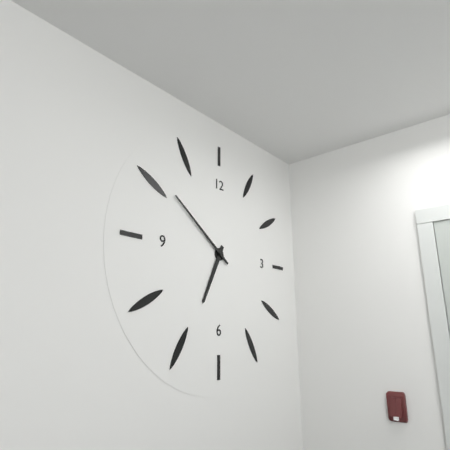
6:51
